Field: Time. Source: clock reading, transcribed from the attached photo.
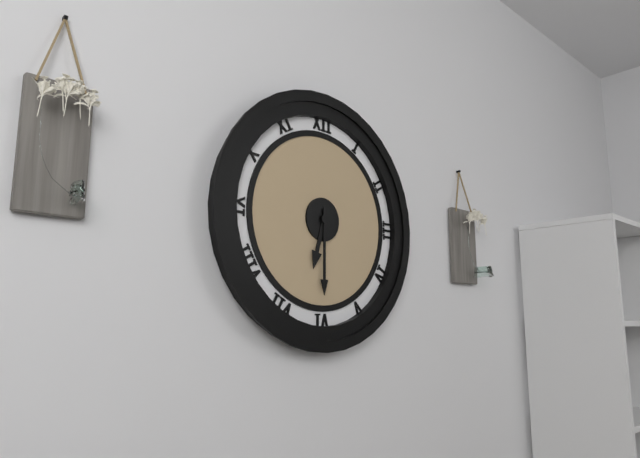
6:30
